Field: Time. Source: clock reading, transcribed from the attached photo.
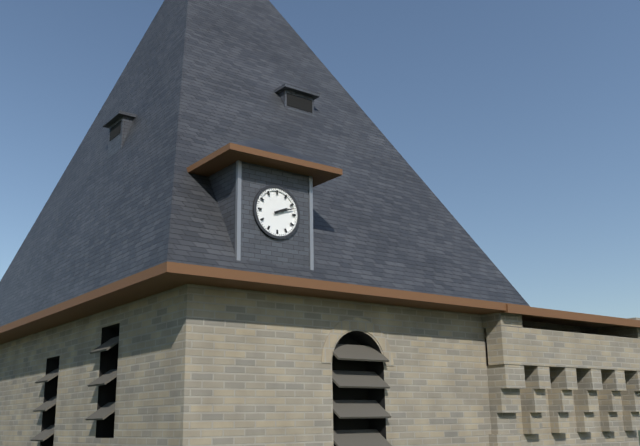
2:12
